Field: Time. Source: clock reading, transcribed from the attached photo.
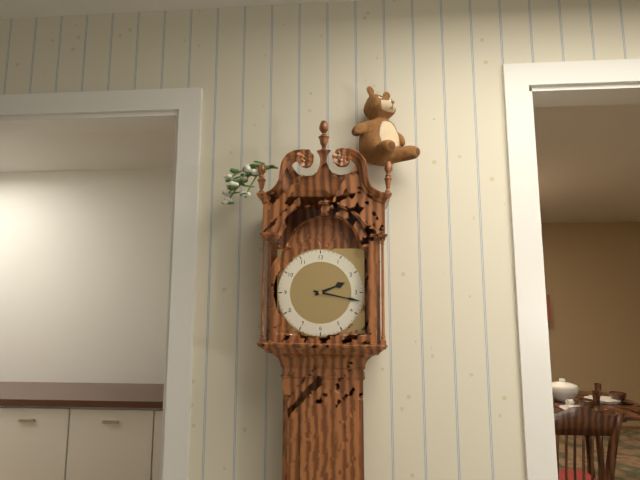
2:17
